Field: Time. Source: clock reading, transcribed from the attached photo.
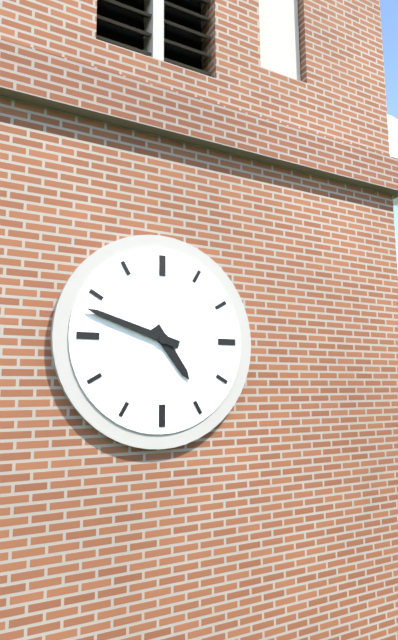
4:48
